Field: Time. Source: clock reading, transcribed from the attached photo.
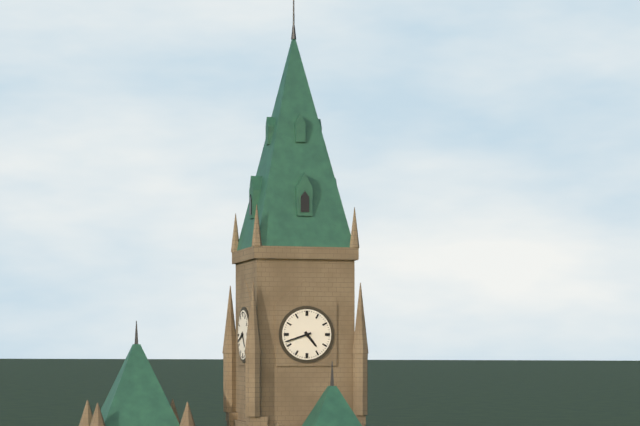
4:42
